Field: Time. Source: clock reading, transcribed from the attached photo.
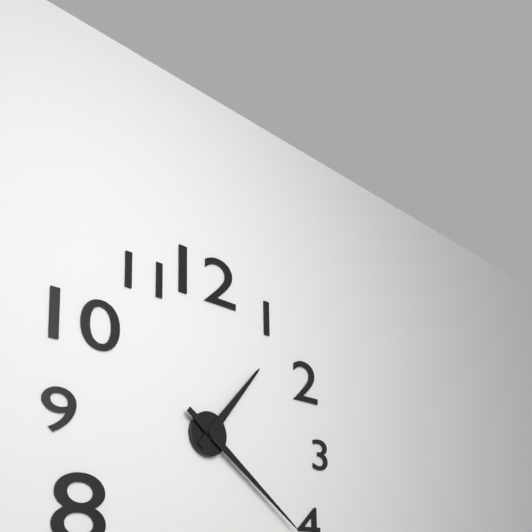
1:21
